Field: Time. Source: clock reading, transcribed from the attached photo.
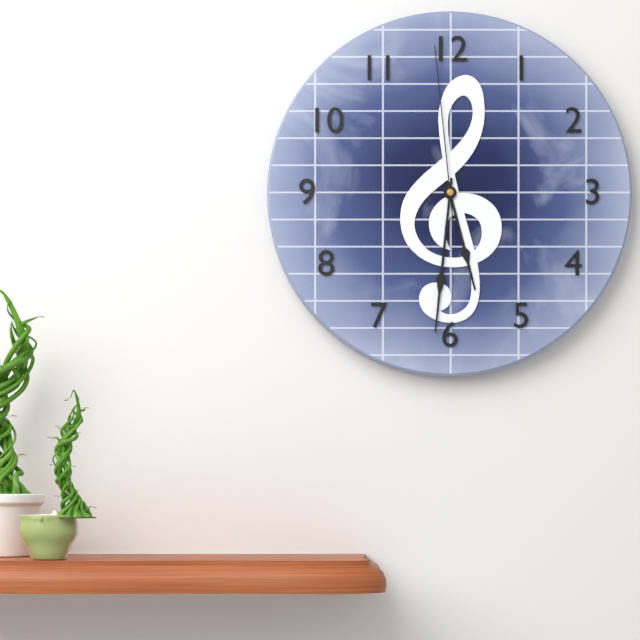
5:31:59
